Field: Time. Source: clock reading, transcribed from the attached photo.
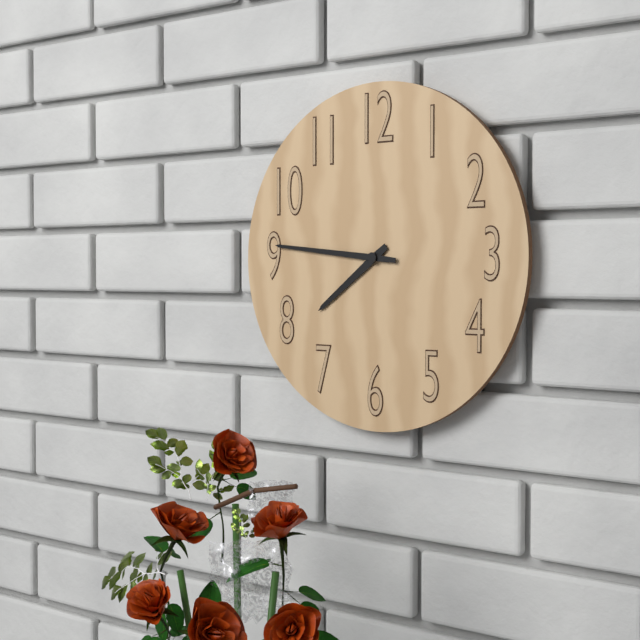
7:46
